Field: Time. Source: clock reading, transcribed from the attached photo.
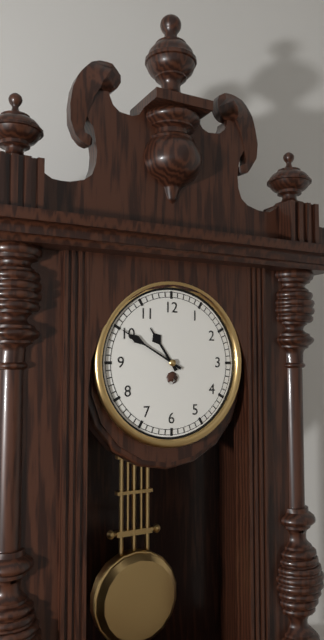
10:50
